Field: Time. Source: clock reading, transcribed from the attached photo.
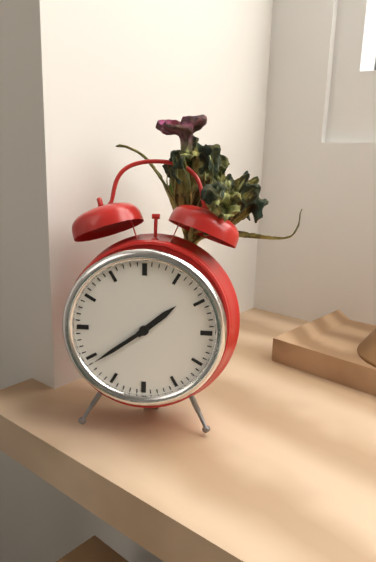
1:39
